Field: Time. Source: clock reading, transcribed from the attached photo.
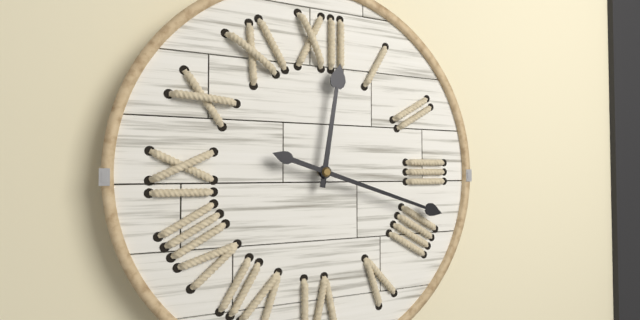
12:18
